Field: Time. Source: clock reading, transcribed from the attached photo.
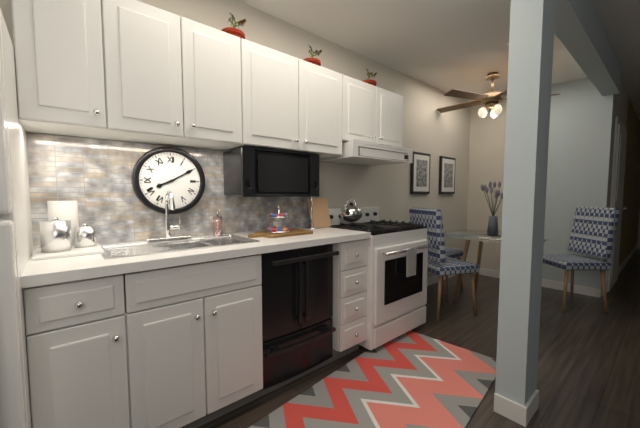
8:10
